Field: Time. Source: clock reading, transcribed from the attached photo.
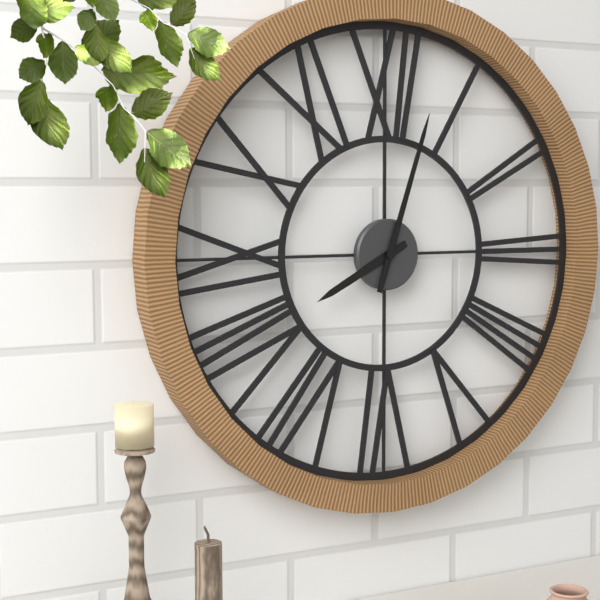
8:03
